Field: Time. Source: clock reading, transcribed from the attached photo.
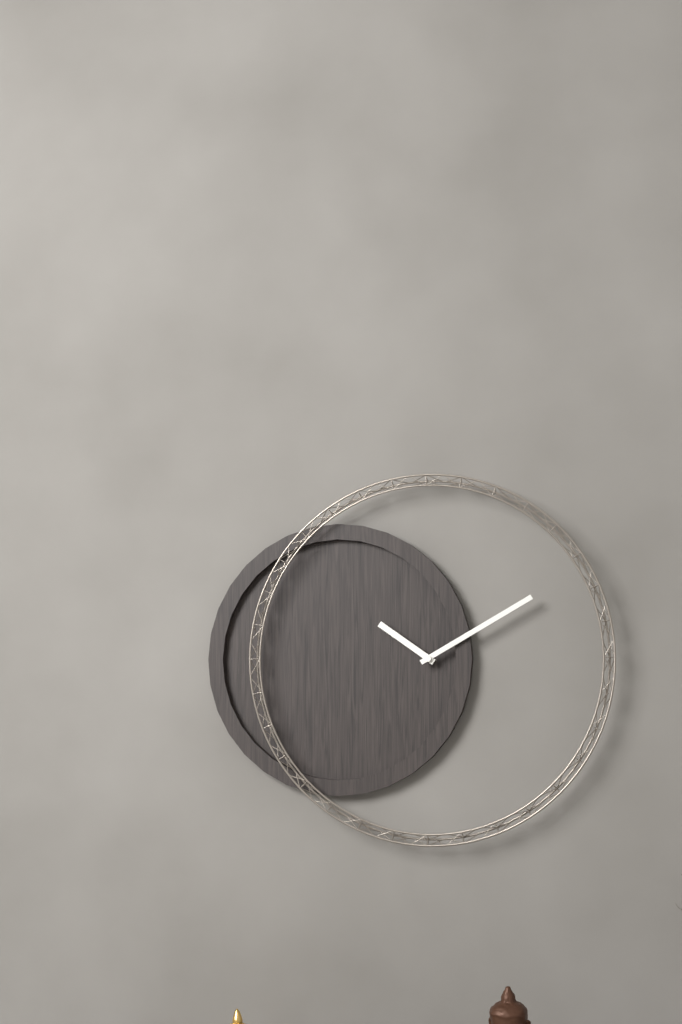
10:10
